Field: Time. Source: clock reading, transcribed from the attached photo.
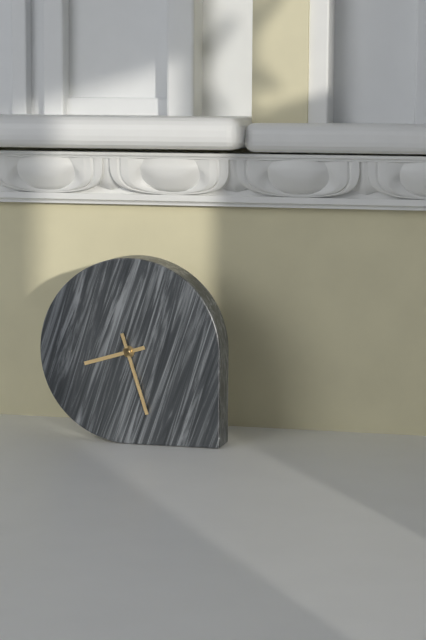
8:27
